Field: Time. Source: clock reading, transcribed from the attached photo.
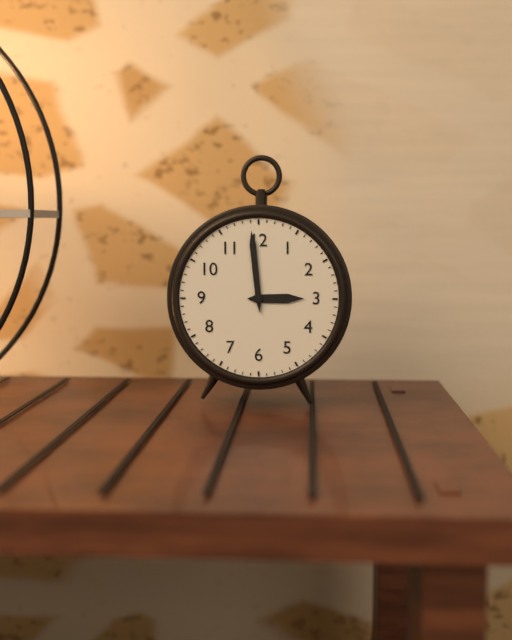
2:59
